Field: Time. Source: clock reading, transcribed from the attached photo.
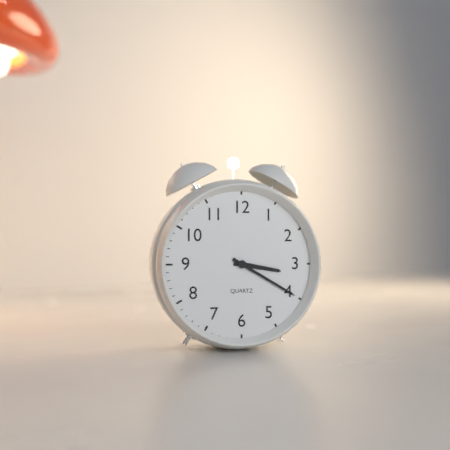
3:20
